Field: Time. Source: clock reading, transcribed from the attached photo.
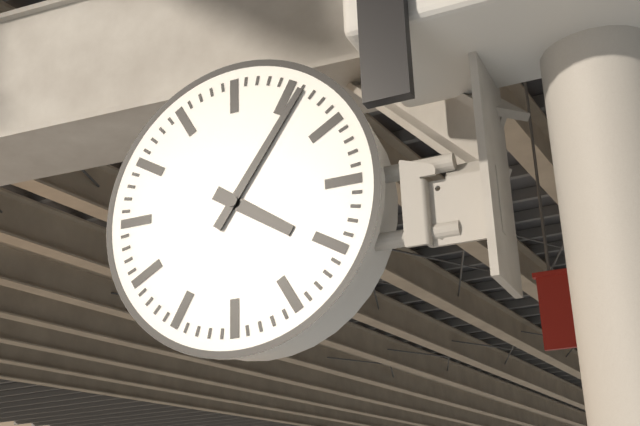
4:06
